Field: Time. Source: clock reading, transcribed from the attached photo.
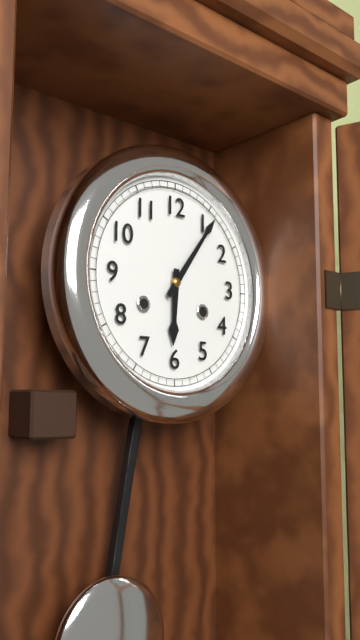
6:06
